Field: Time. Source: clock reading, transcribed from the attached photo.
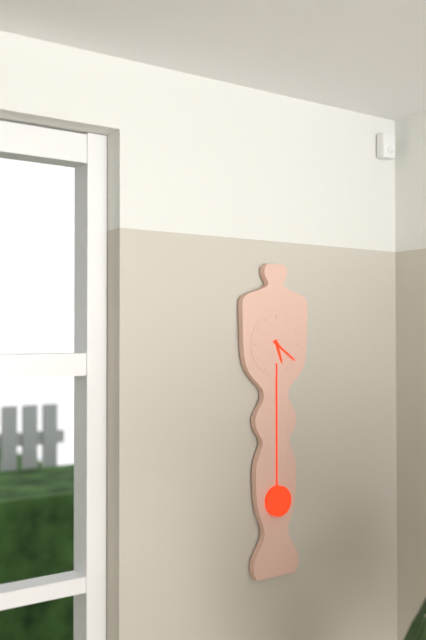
5:21
